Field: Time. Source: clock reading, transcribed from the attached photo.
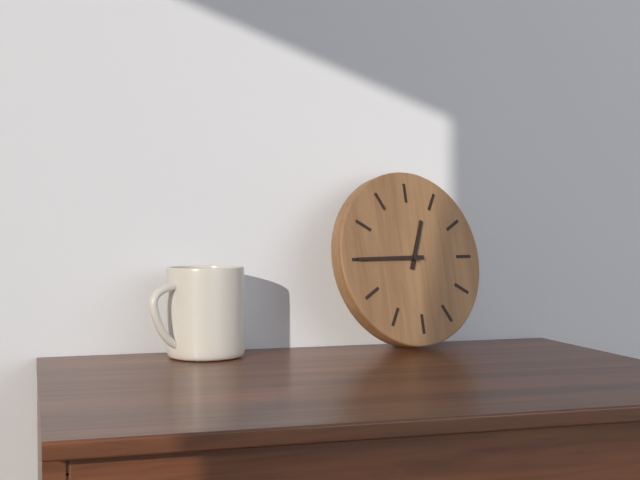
12:45
